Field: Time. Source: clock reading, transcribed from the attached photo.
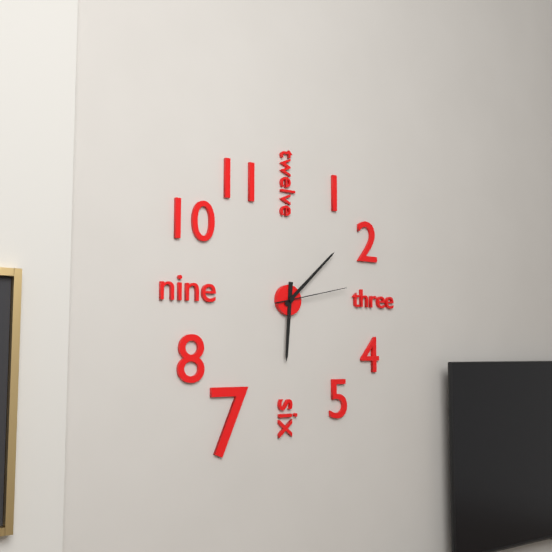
6:08:13
